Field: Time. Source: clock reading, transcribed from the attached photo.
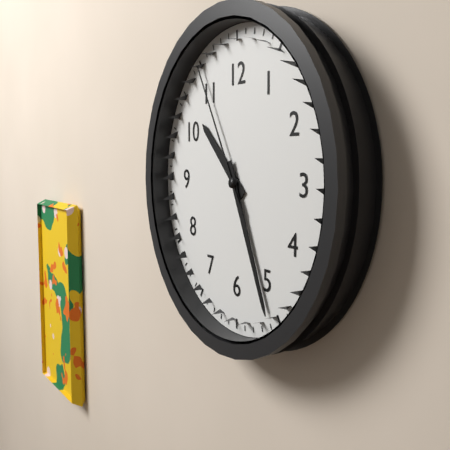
10:26:55
